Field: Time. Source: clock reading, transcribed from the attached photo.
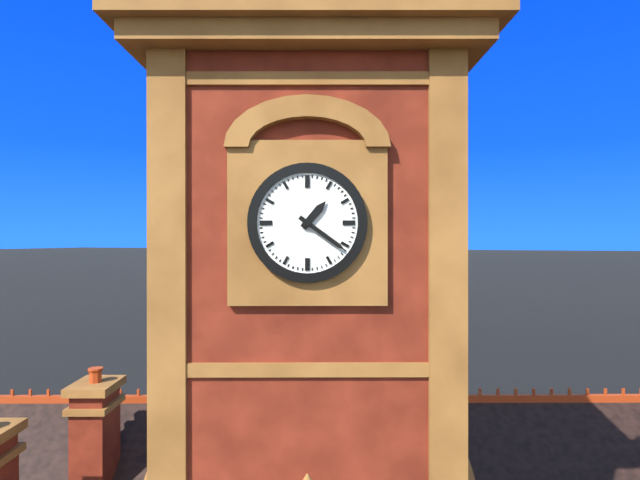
1:21
